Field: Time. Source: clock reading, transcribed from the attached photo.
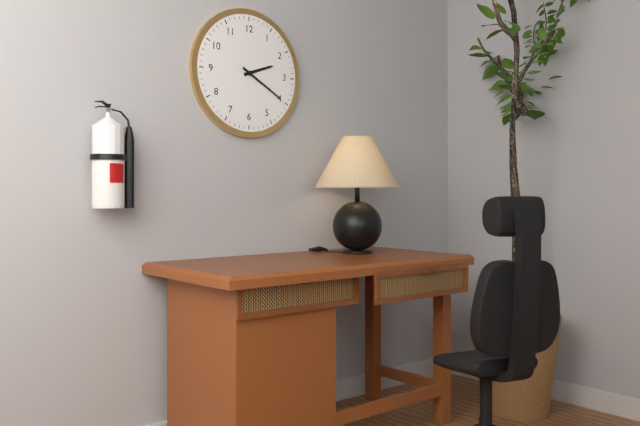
2:20
